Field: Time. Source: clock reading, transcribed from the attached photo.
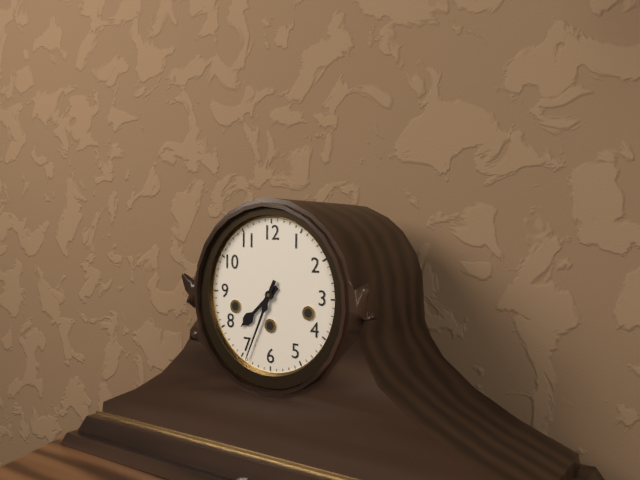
7:34
